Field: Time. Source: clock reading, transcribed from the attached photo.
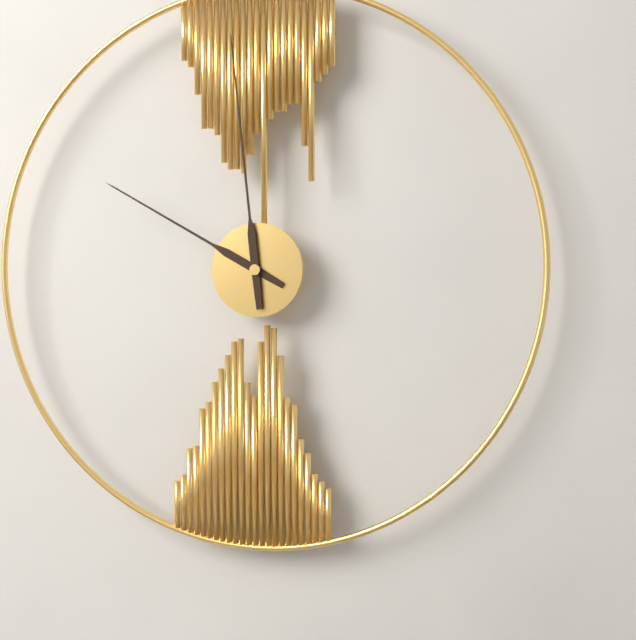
9:59
